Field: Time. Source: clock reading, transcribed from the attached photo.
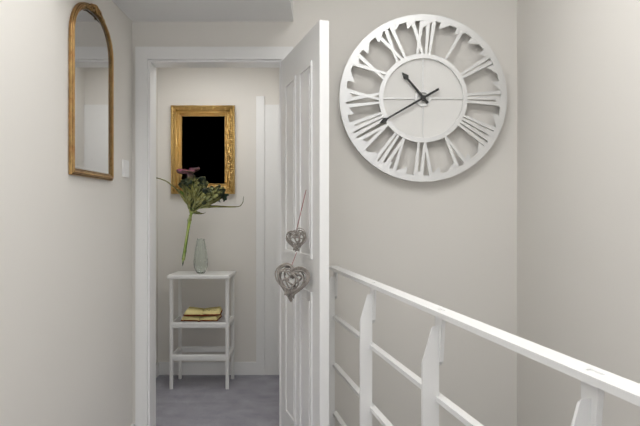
10:40
